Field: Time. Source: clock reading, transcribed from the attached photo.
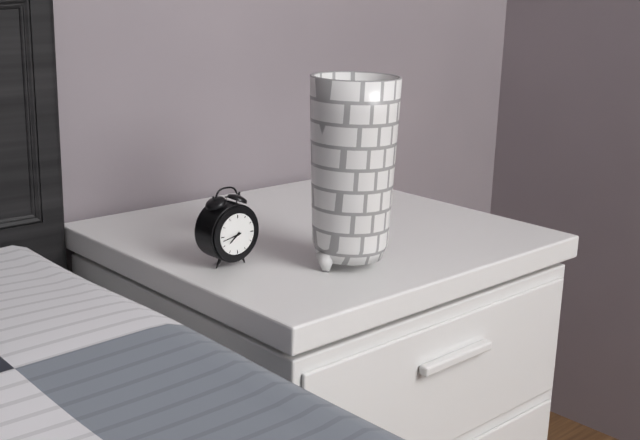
7:43
